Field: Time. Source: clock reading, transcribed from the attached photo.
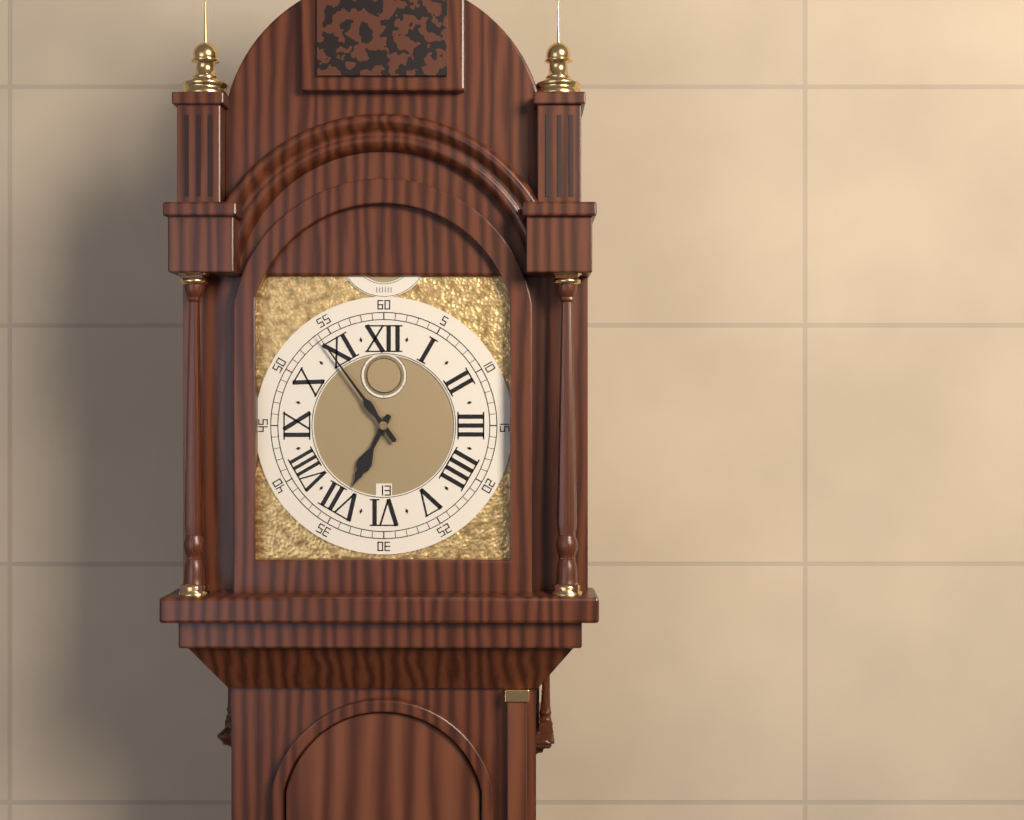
6:54
